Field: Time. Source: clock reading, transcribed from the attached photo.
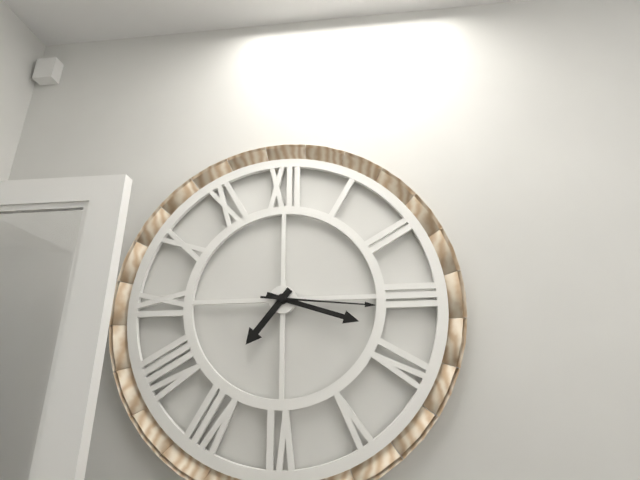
7:18:16
